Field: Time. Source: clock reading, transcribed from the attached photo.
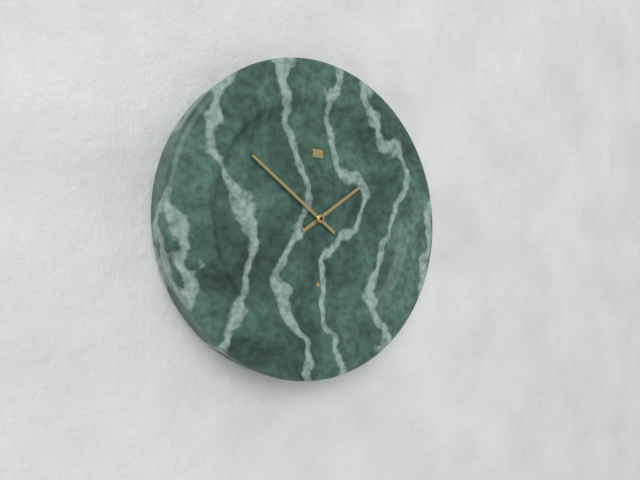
1:51
